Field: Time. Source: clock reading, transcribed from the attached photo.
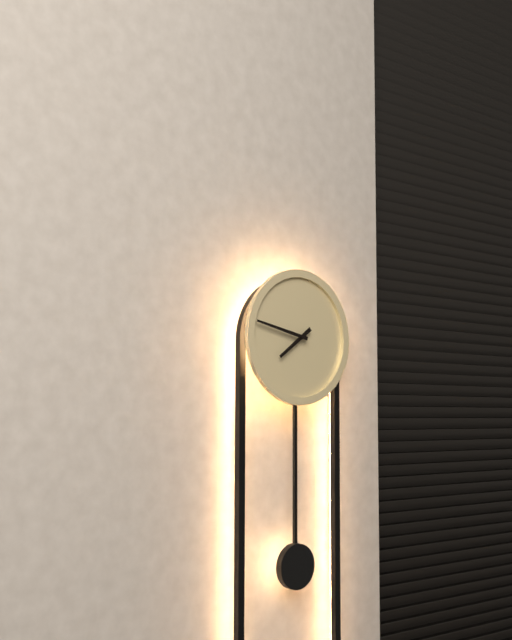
7:47
